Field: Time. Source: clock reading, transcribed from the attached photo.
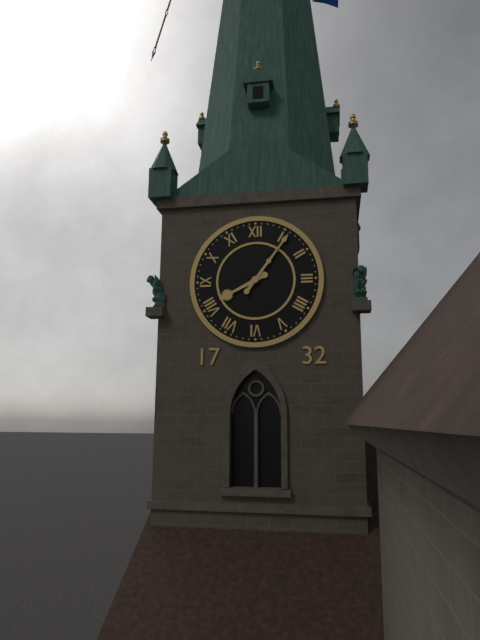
8:06
